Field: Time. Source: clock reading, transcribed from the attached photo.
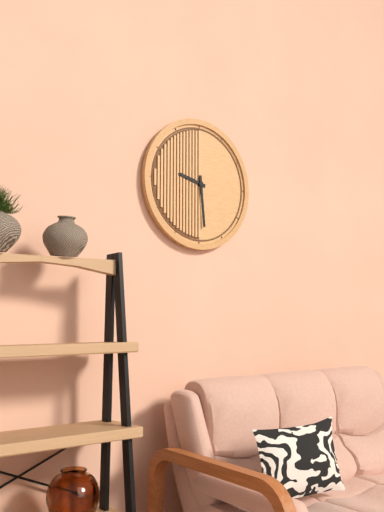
9:29
